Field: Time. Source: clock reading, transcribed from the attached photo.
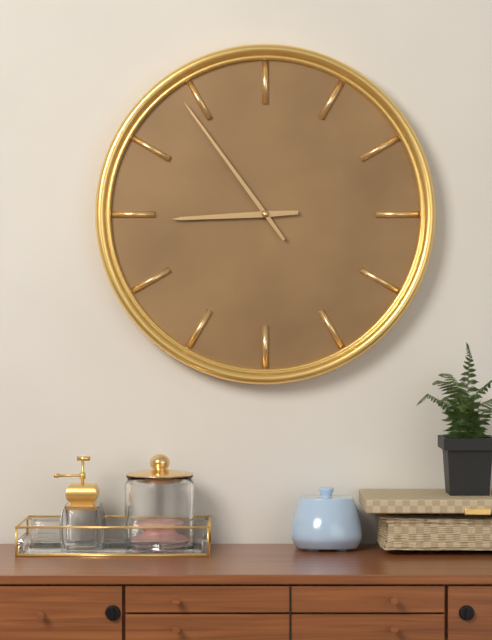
8:54
